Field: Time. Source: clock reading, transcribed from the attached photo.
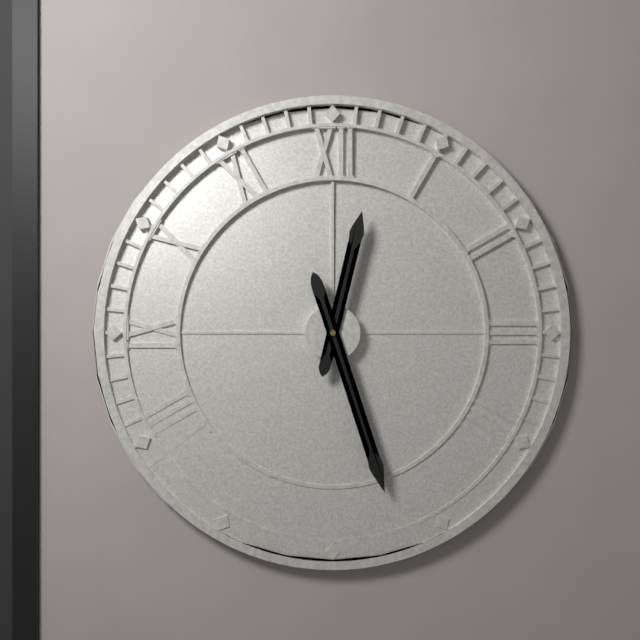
12:27
